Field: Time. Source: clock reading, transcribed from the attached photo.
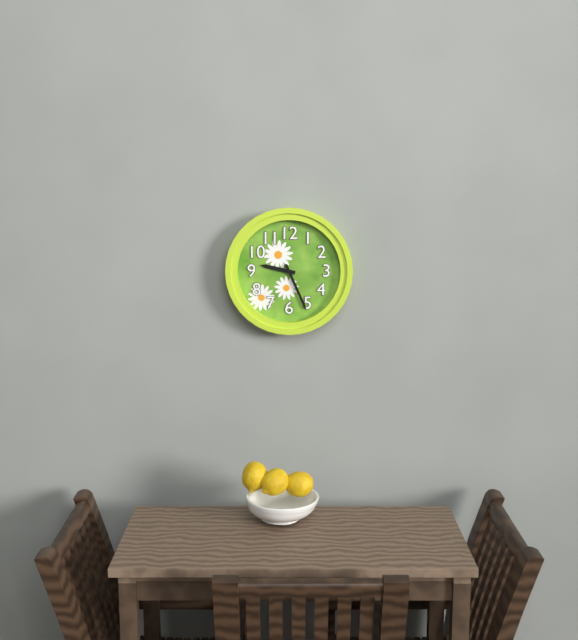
9:26
